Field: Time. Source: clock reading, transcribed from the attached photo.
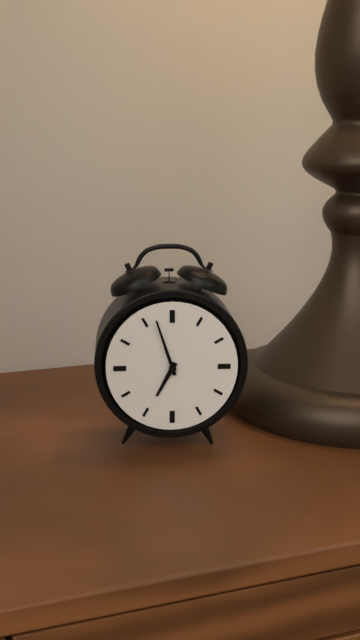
6:57
